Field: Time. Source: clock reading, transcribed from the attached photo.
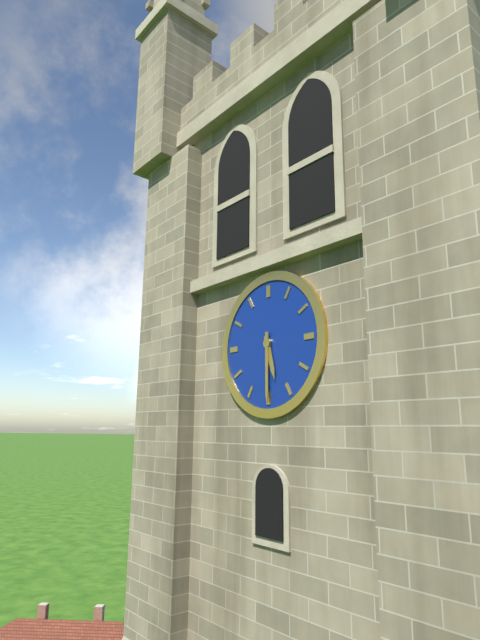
5:30
